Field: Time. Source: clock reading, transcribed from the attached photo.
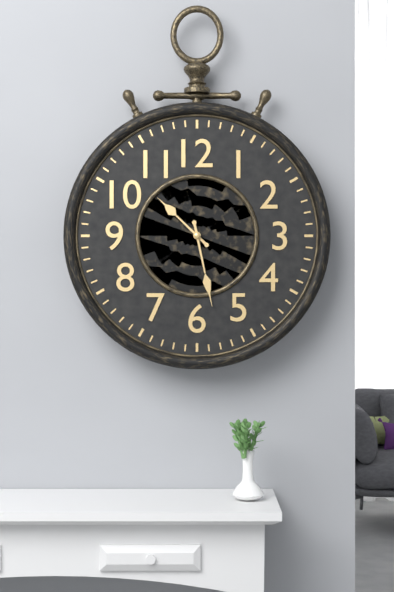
10:28
